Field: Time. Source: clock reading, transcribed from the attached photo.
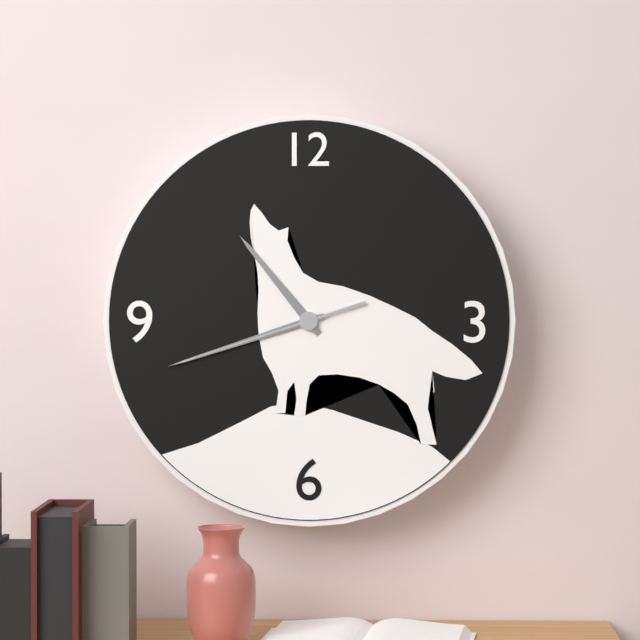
10:42:42
